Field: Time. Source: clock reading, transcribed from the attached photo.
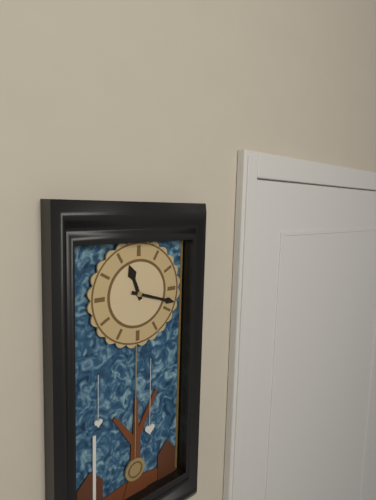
11:18
